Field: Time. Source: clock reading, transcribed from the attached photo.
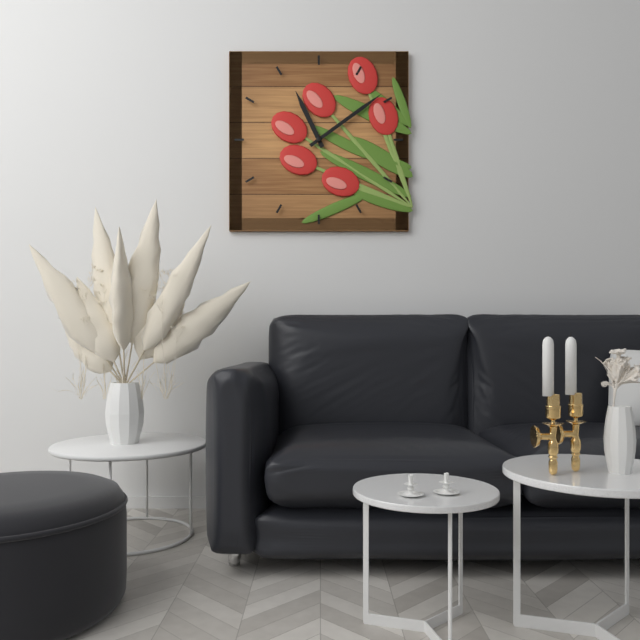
11:09
